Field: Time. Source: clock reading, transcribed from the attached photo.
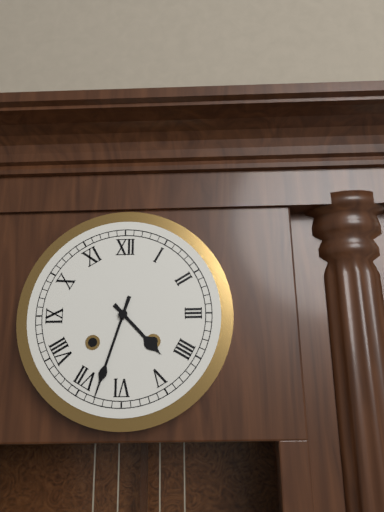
4:33
